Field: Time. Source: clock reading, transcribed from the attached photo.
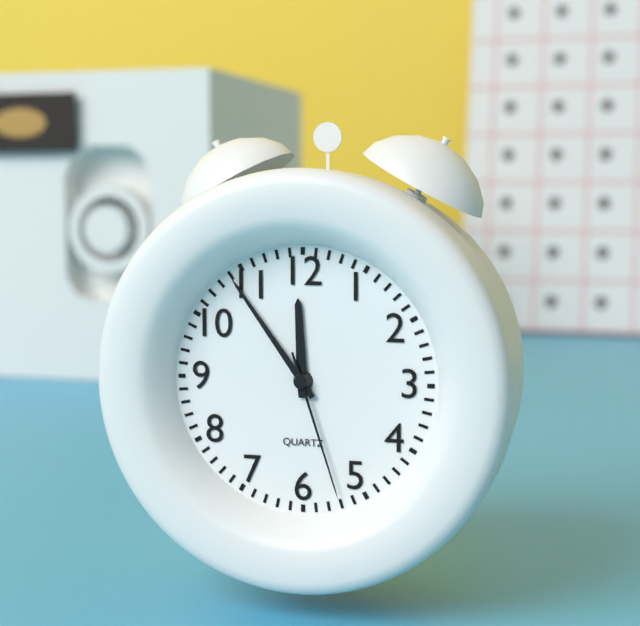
11:54:27
